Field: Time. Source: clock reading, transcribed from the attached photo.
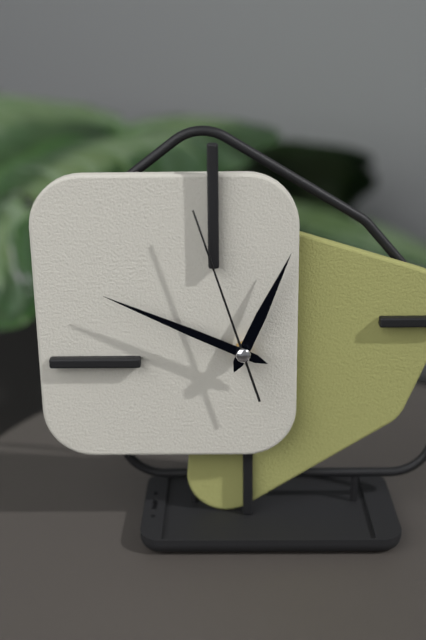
12:49:57
